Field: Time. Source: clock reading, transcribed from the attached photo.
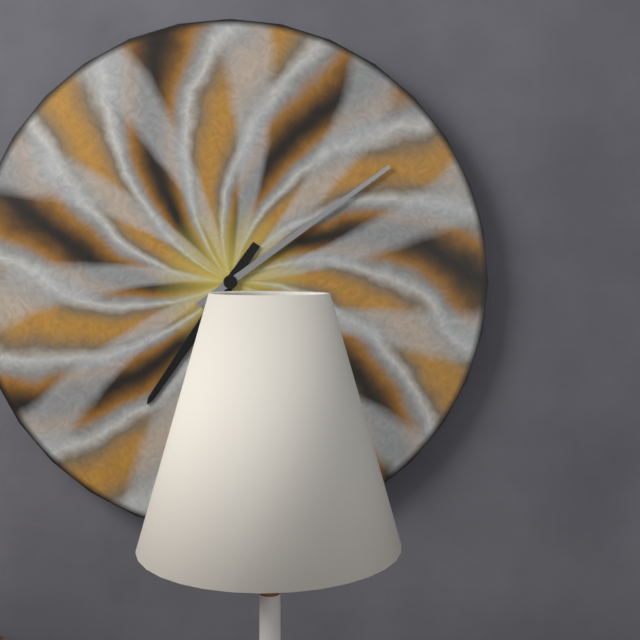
7:09
